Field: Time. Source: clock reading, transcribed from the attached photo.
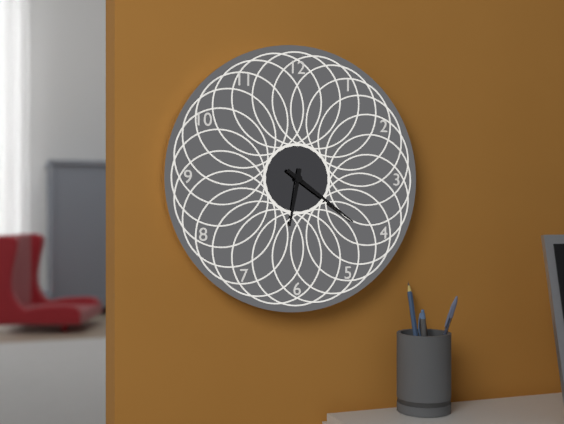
6:21
